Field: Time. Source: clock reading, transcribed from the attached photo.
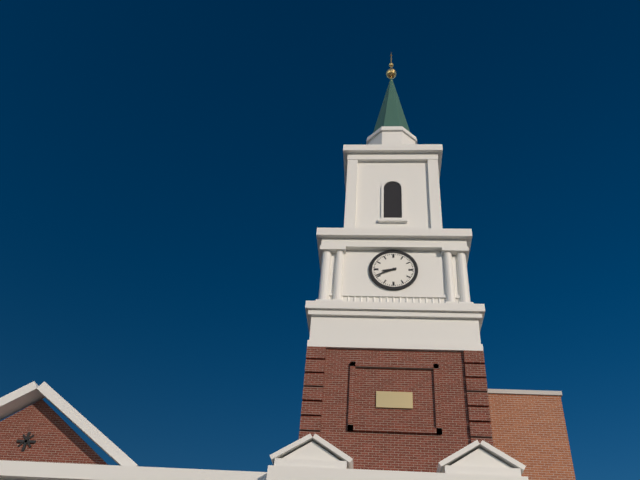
8:41
